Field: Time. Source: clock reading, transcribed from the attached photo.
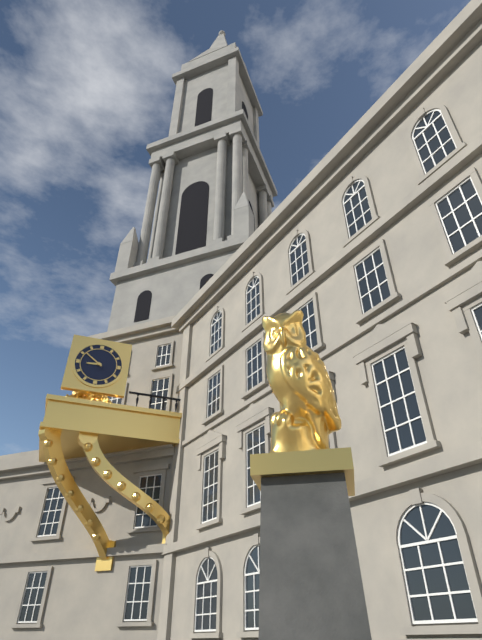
8:51
